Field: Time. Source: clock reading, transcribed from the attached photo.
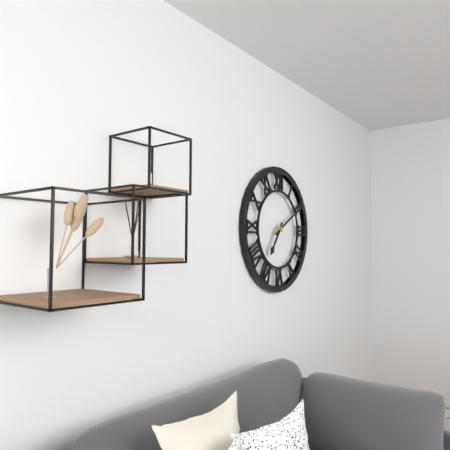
7:10
